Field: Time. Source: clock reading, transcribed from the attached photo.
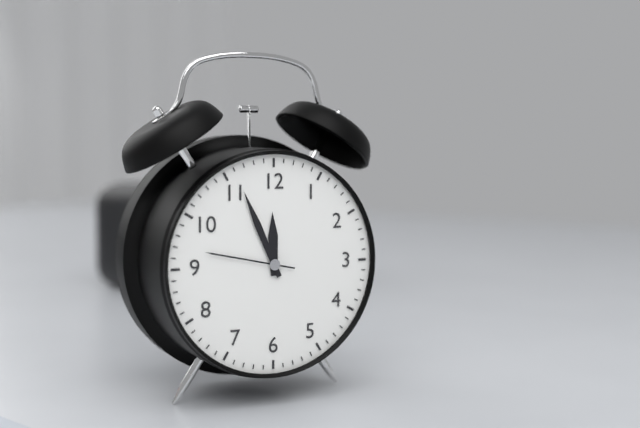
11:56:47
